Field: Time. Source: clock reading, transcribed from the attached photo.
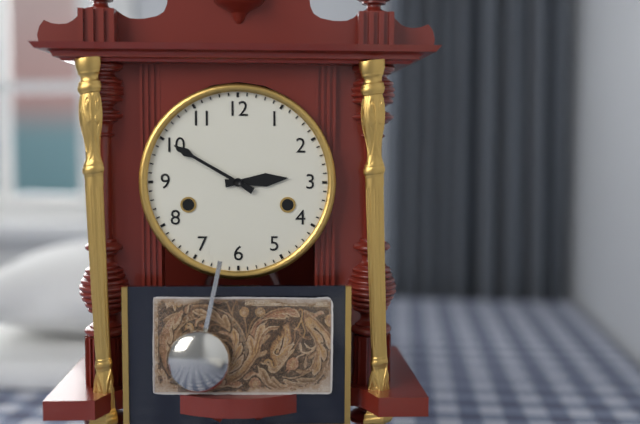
2:50
